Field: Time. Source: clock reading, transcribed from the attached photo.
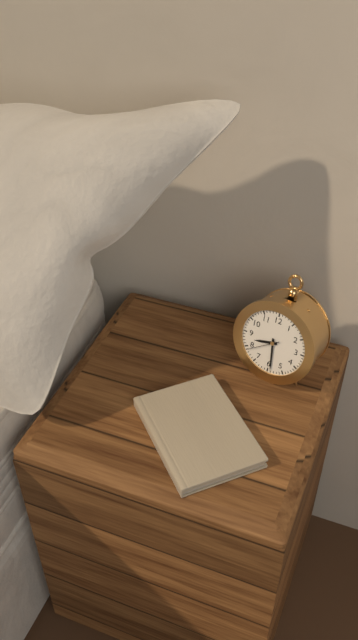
8:29
